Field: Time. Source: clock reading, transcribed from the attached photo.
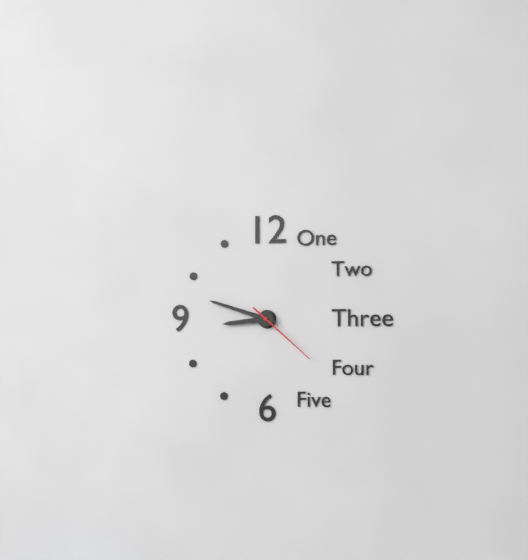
8:48:22
